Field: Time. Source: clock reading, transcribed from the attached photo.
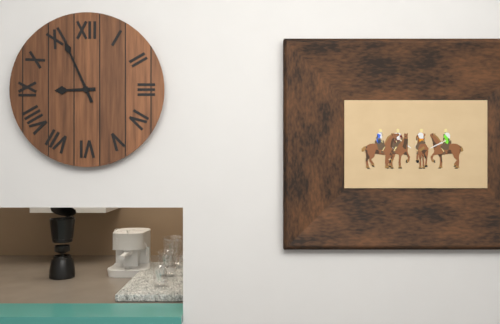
8:56
